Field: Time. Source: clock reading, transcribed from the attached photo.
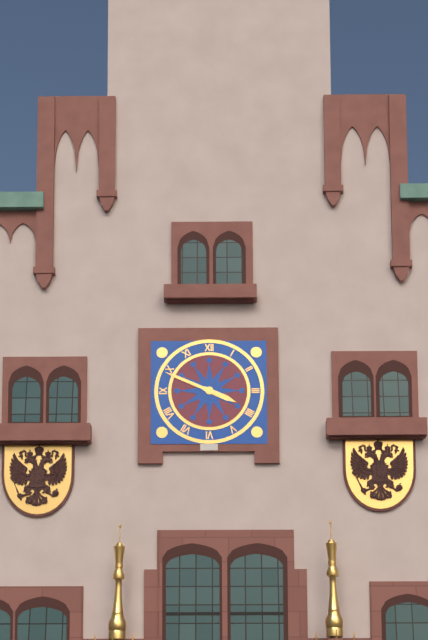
3:49
